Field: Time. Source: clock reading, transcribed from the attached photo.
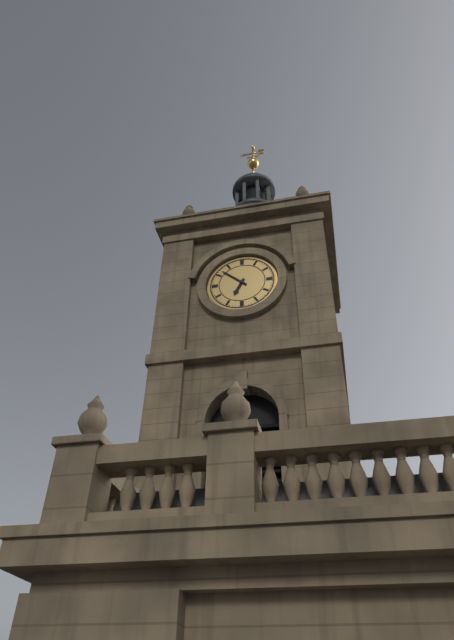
6:52
